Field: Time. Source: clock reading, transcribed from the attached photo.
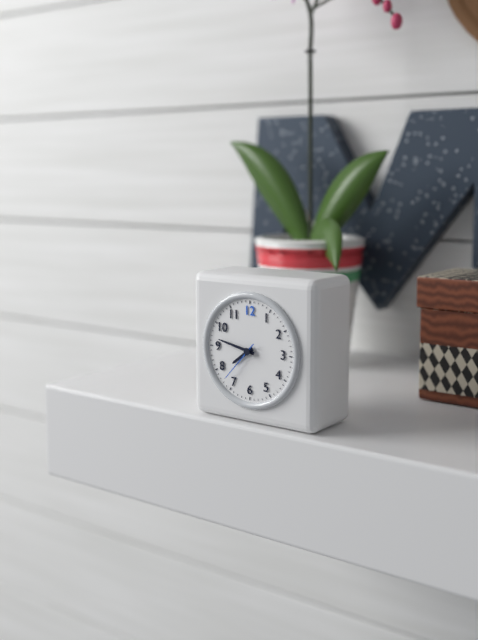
7:47
